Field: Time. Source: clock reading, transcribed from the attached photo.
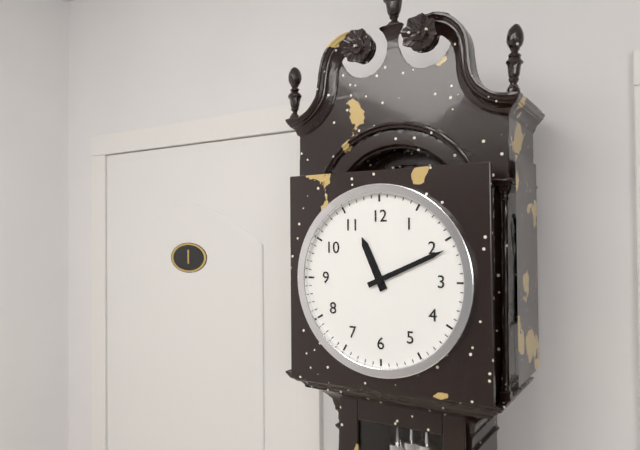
11:11
